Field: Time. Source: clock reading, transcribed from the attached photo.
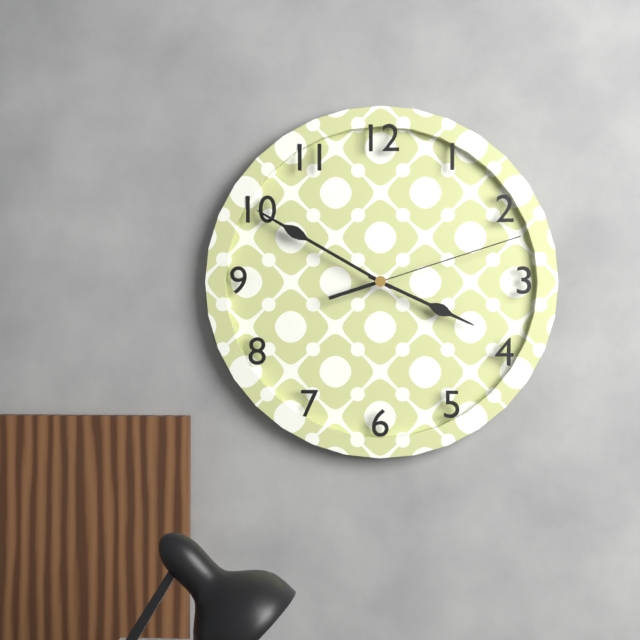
3:50:12
